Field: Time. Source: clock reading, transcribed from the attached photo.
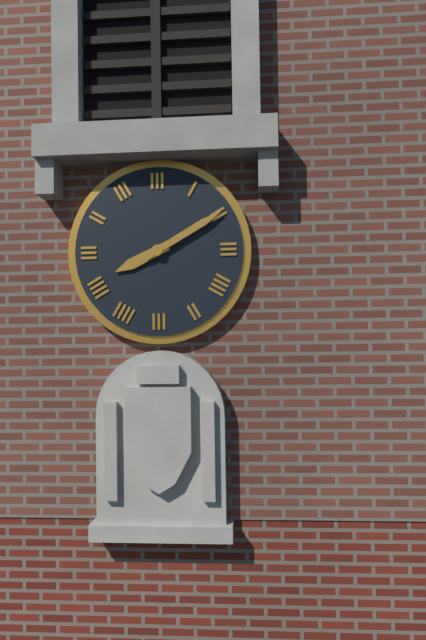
8:10
